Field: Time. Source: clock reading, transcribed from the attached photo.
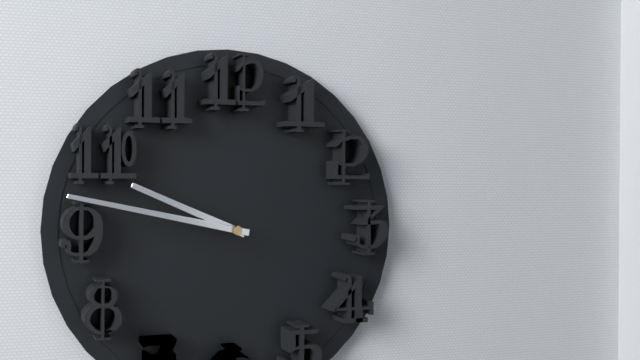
9:47
